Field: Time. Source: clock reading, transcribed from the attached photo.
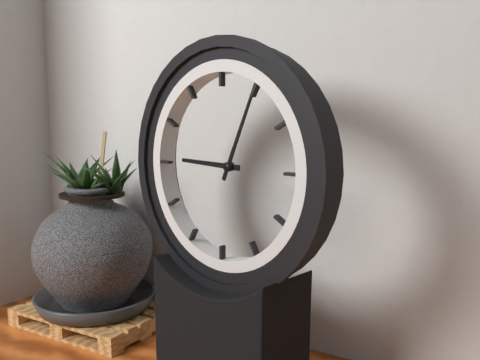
9:04
